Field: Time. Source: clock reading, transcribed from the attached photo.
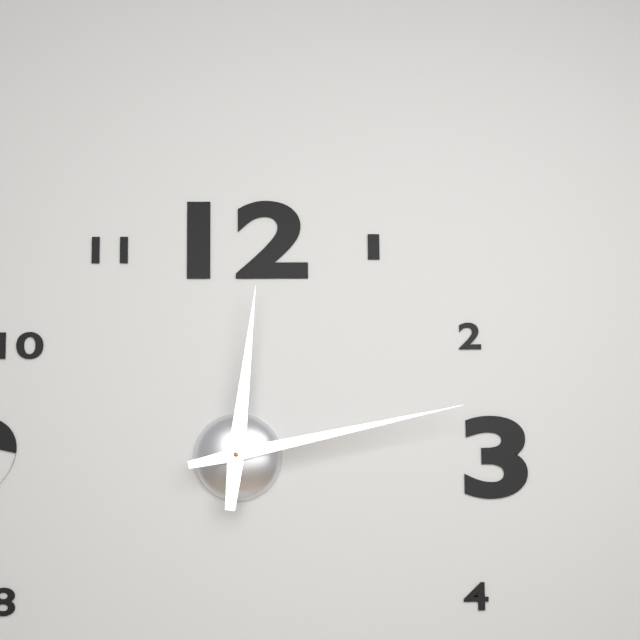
12:13
